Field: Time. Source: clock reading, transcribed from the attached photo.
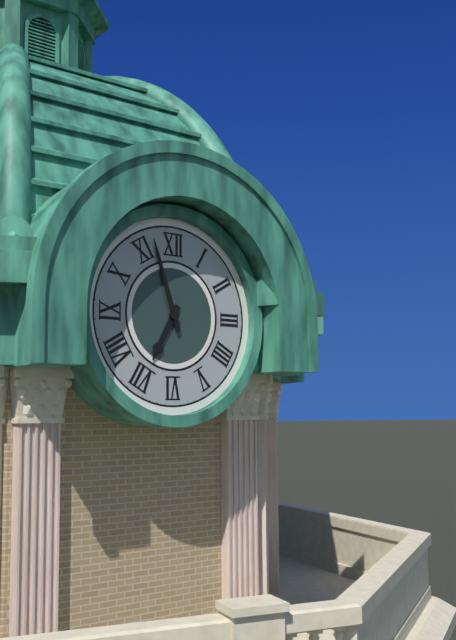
6:57
